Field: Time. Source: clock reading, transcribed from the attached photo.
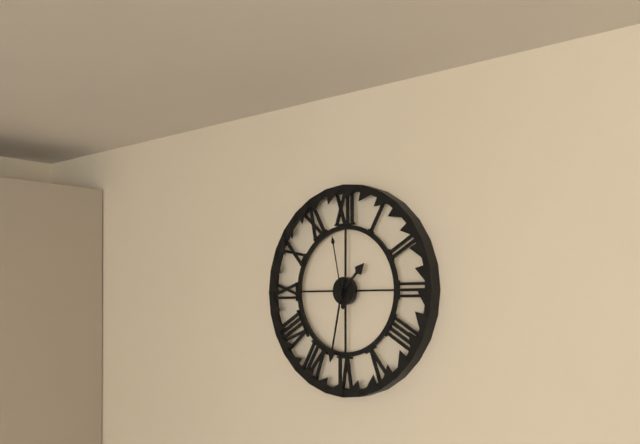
1:32:58
